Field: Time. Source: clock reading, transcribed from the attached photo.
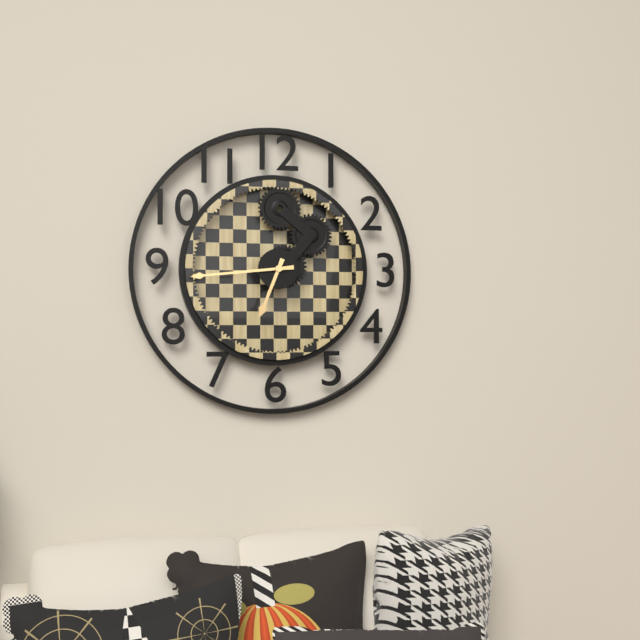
6:44
